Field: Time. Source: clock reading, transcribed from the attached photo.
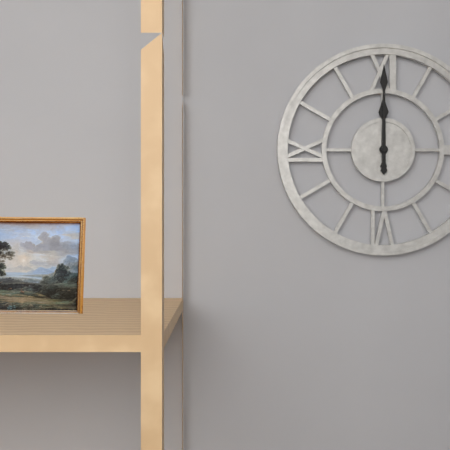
12:00
